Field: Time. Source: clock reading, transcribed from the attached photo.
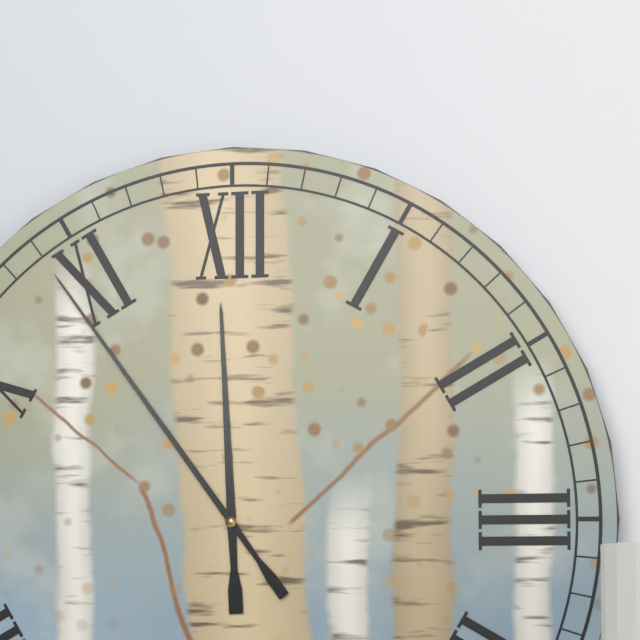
11:54
